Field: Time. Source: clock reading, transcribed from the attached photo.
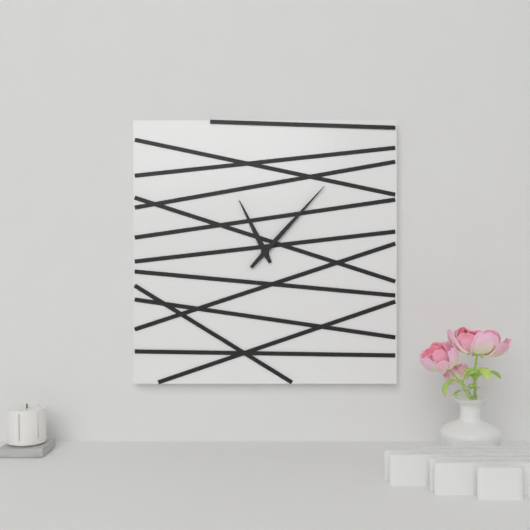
11:07
